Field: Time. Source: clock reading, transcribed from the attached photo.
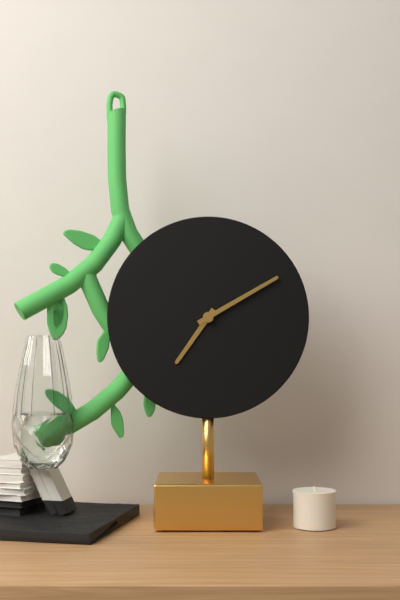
7:10
